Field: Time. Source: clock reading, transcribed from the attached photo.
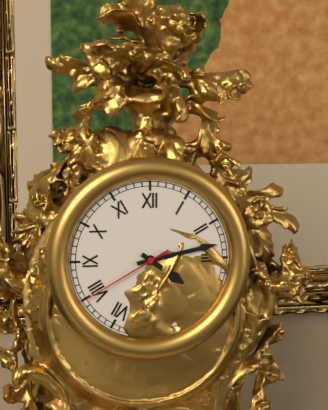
4:13:40
